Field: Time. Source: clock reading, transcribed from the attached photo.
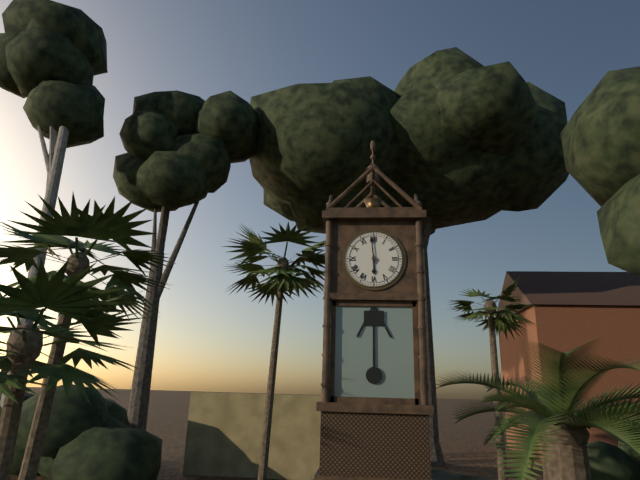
5:59
